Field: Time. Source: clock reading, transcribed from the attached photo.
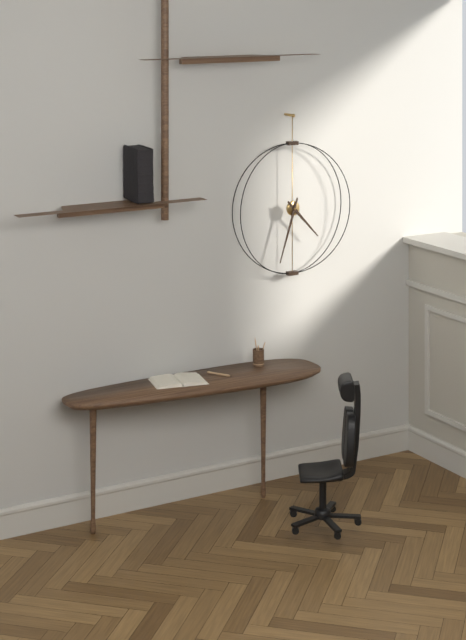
4:33
